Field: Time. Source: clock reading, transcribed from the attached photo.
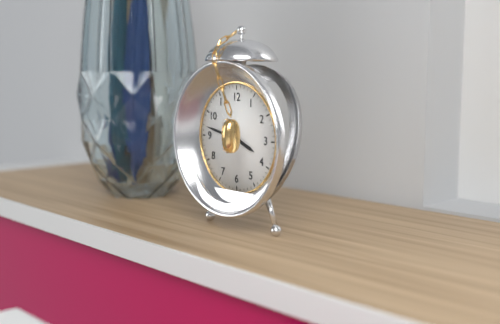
3:47
